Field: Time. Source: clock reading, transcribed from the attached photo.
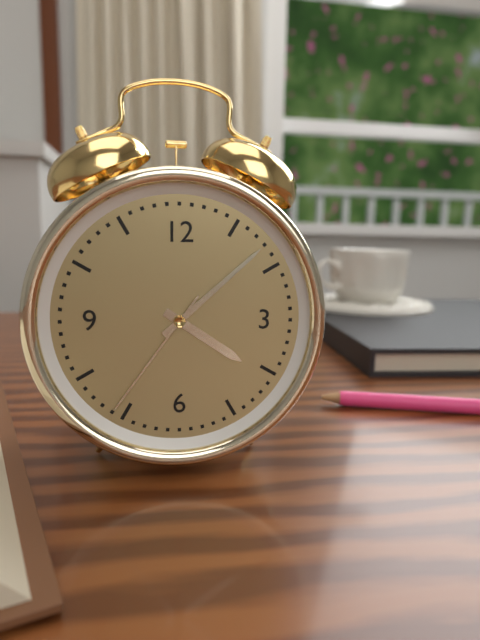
4:08:36
